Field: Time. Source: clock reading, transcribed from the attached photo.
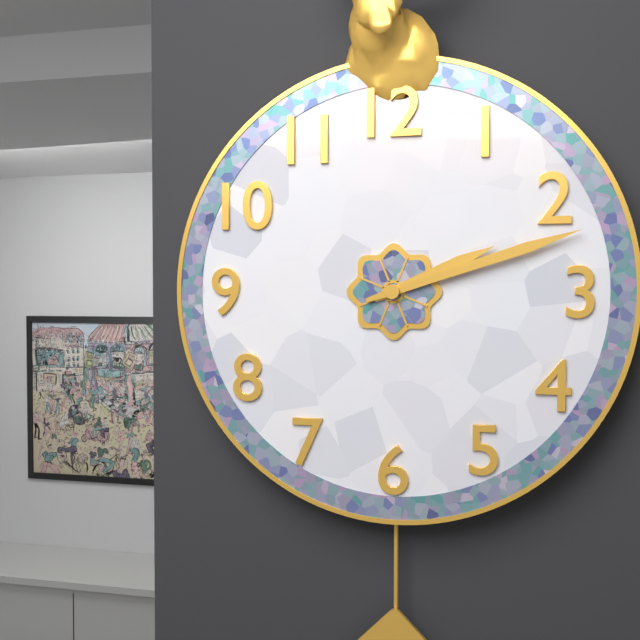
2:12
